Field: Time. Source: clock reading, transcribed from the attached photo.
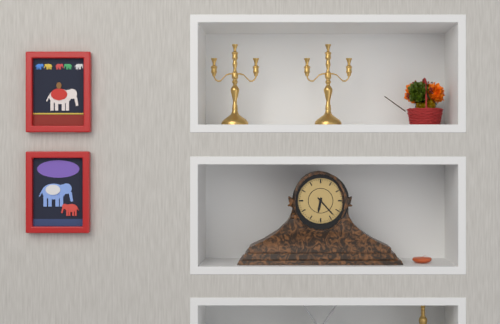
6:23
